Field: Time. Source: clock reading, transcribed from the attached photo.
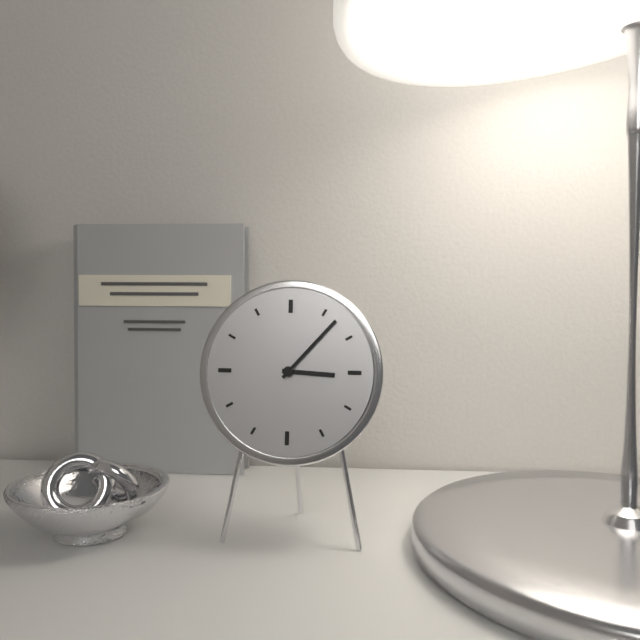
3:07
